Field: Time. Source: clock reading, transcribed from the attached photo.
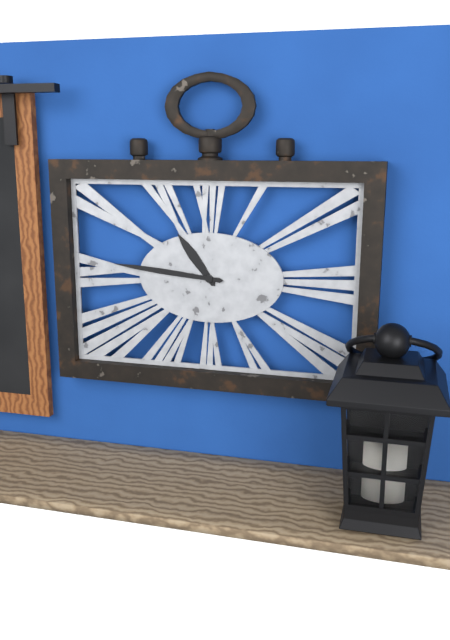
10:46
